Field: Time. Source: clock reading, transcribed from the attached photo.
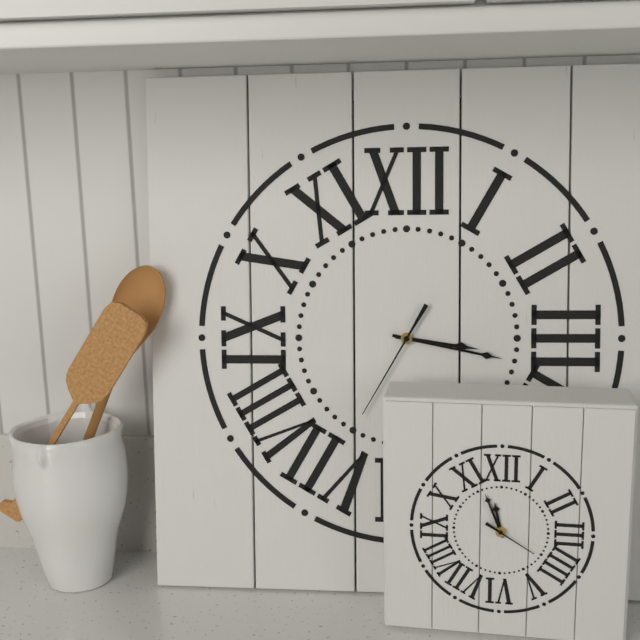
3:17:35
